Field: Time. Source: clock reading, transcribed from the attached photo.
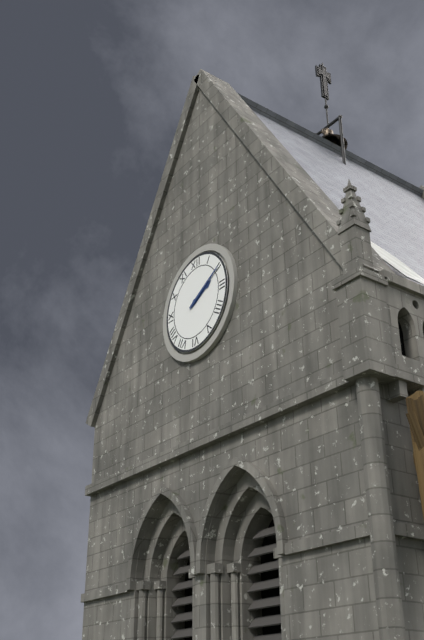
2:10
